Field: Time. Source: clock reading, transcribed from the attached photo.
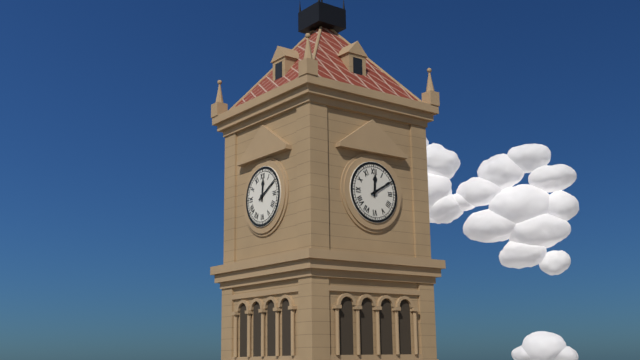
12:10
